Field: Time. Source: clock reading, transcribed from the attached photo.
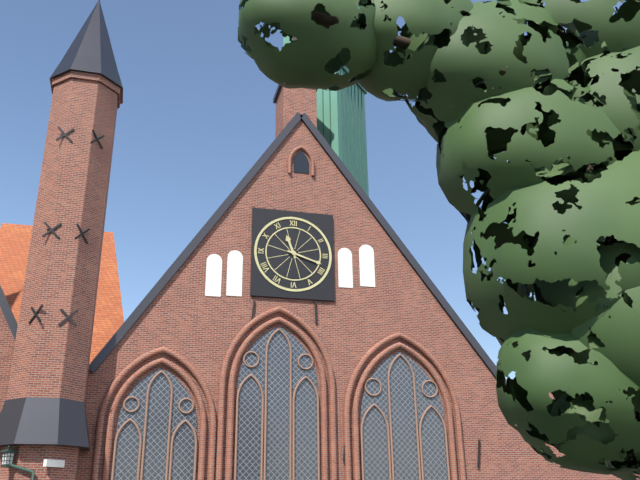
11:18
